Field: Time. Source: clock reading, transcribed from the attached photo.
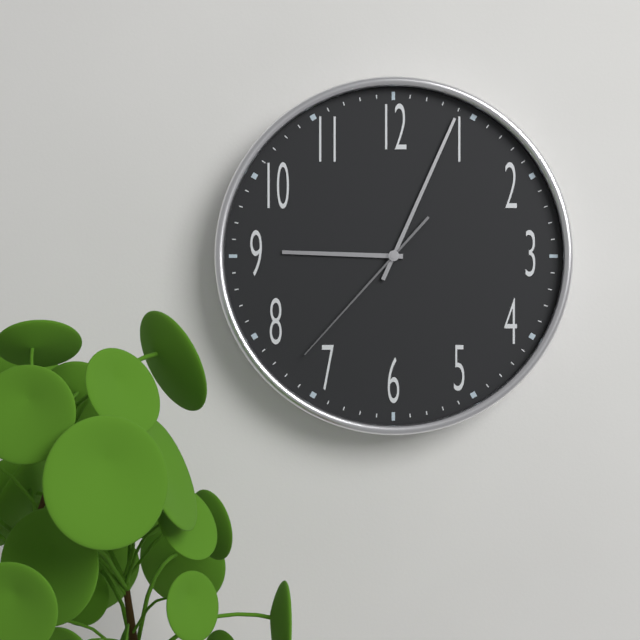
9:04:37
